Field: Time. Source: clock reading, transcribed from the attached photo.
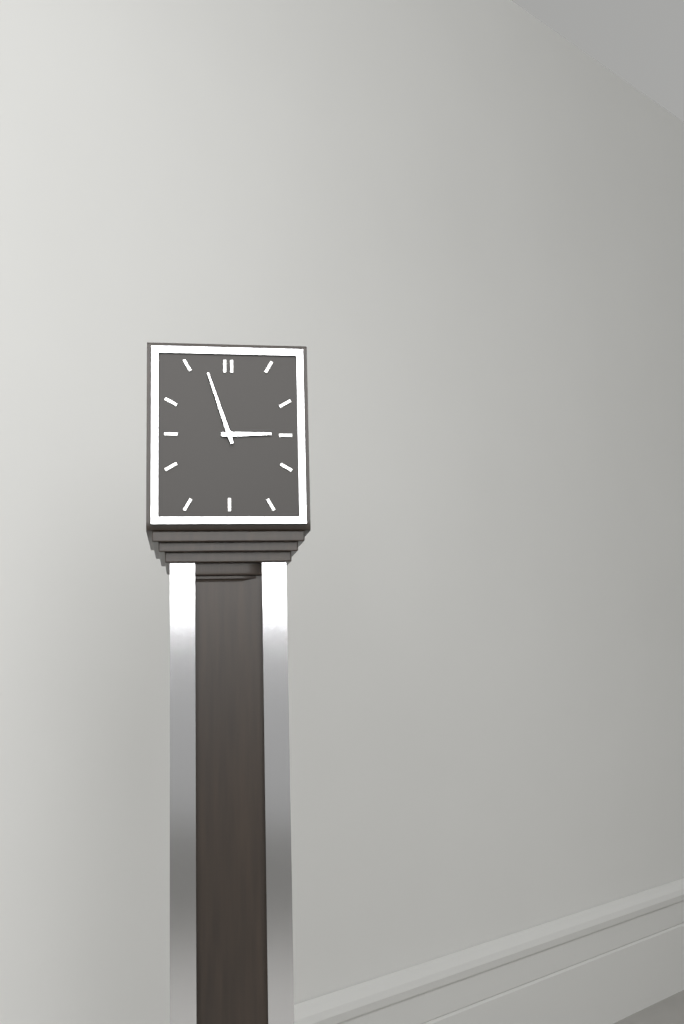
2:57
